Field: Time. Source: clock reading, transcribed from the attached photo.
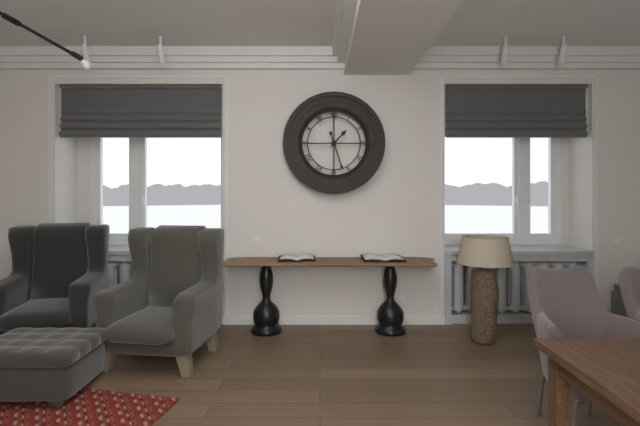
1:27
